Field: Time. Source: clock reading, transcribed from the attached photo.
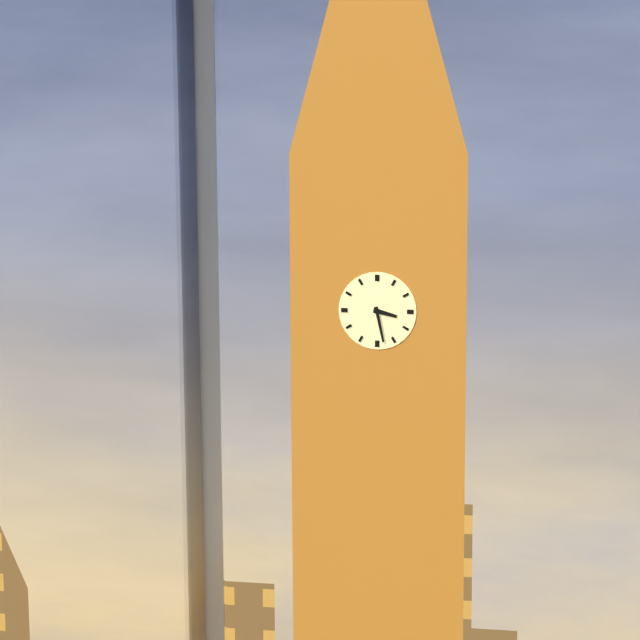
3:28
